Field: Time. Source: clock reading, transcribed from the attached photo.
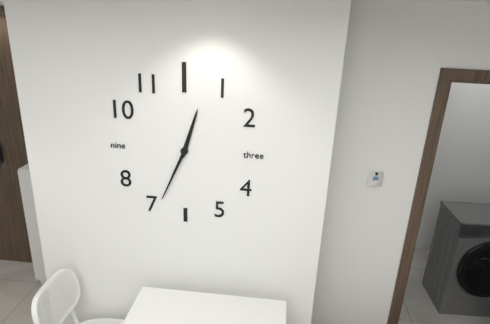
12:34
